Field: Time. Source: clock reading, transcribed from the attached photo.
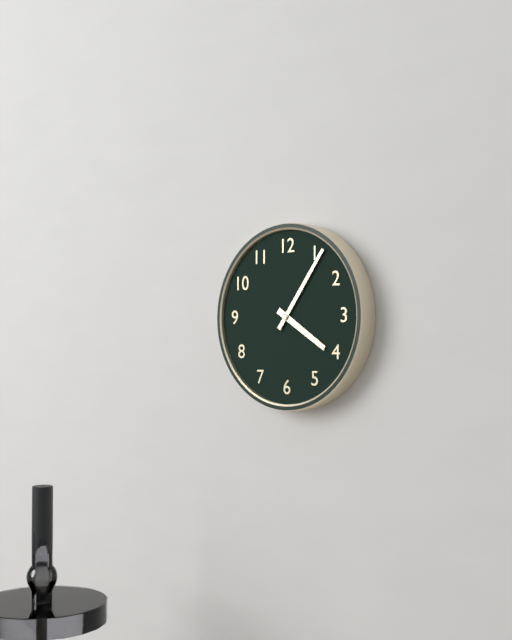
4:06
